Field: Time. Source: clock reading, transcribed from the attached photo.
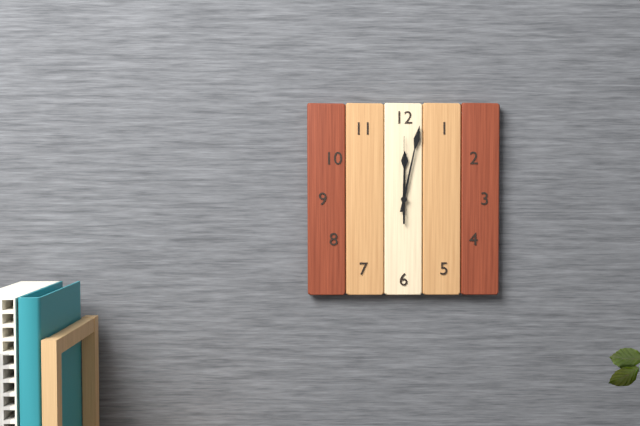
12:02:00
